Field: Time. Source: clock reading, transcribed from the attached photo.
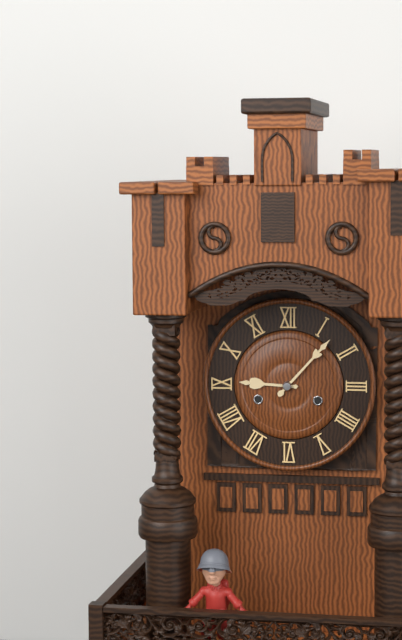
9:07
